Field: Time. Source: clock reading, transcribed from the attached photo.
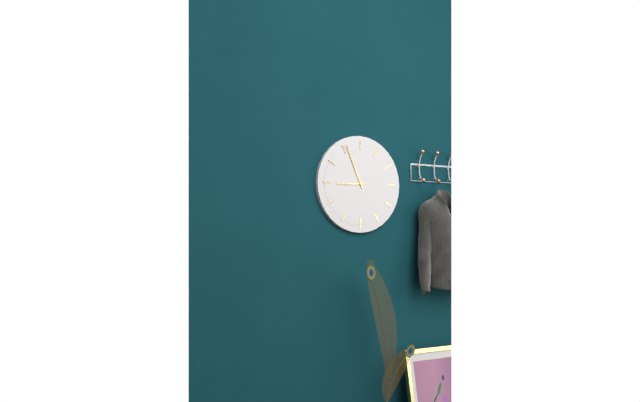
8:56
